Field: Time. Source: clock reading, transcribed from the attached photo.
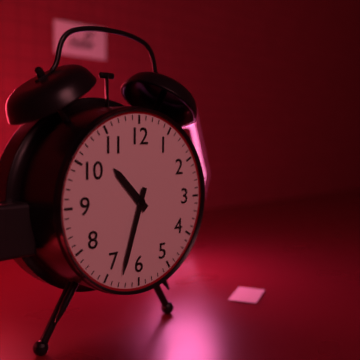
10:33
